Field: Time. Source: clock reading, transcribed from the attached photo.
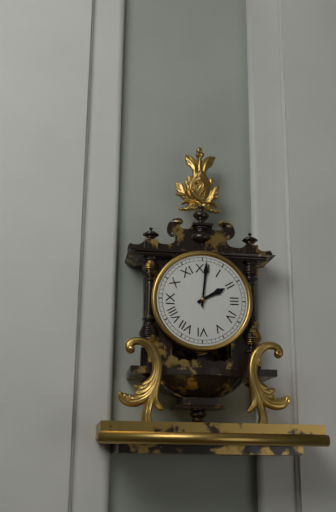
2:01
